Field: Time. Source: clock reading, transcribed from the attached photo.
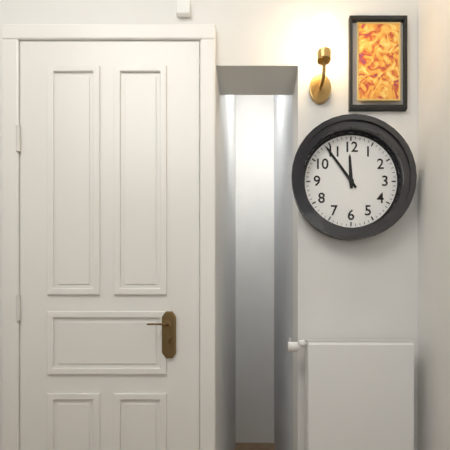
11:54
